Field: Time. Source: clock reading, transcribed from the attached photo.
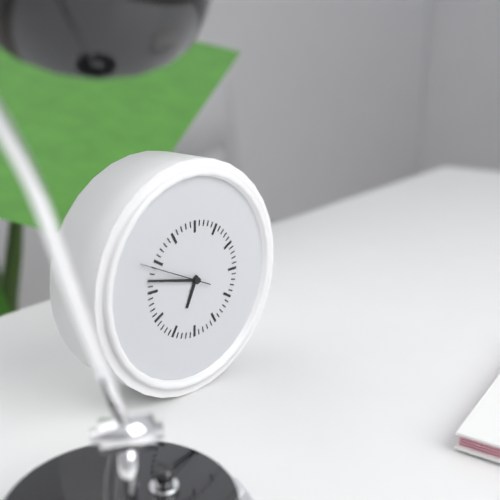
6:47:49
